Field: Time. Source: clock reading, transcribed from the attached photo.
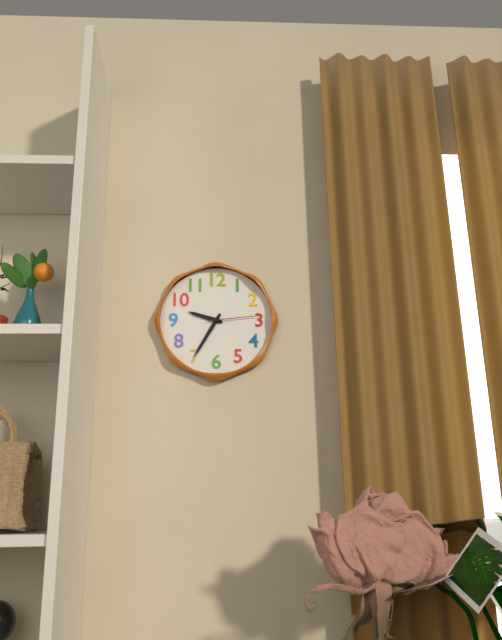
9:35:14
